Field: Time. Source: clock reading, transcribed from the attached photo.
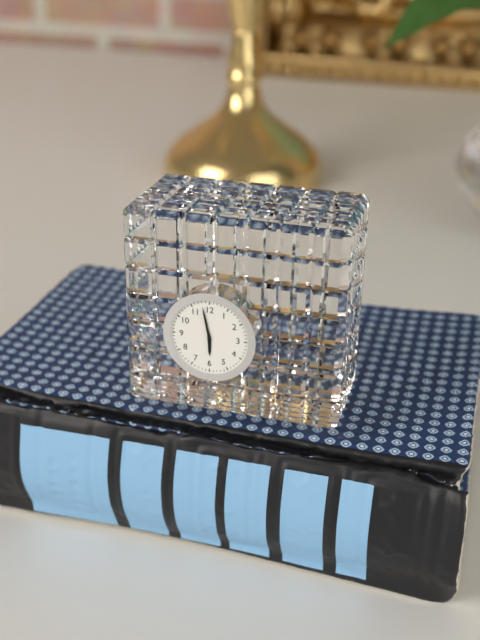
5:58
